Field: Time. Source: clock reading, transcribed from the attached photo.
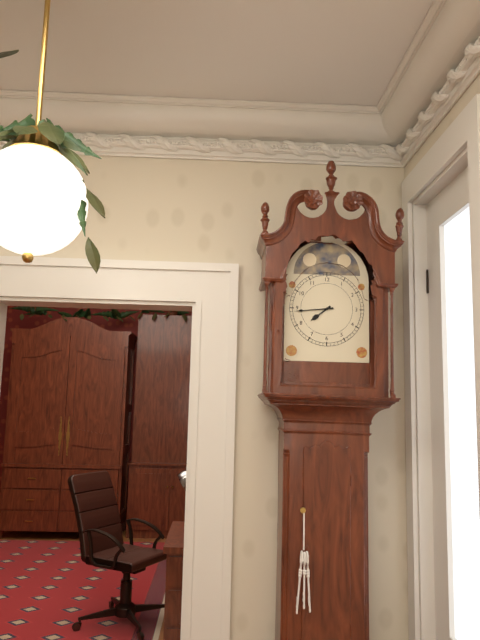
7:44
